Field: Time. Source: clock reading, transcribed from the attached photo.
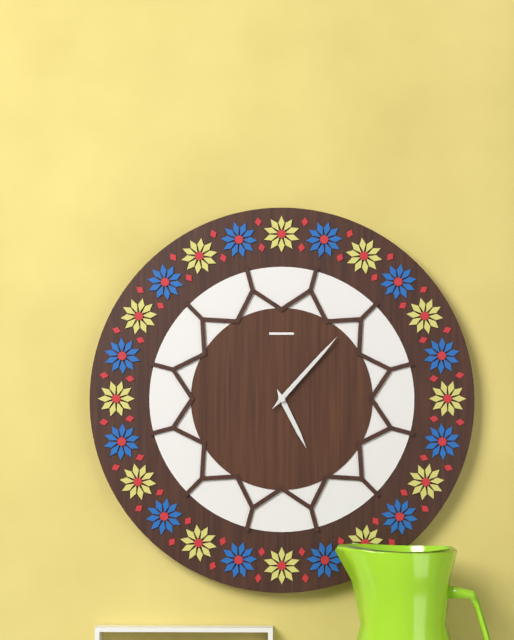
5:07
